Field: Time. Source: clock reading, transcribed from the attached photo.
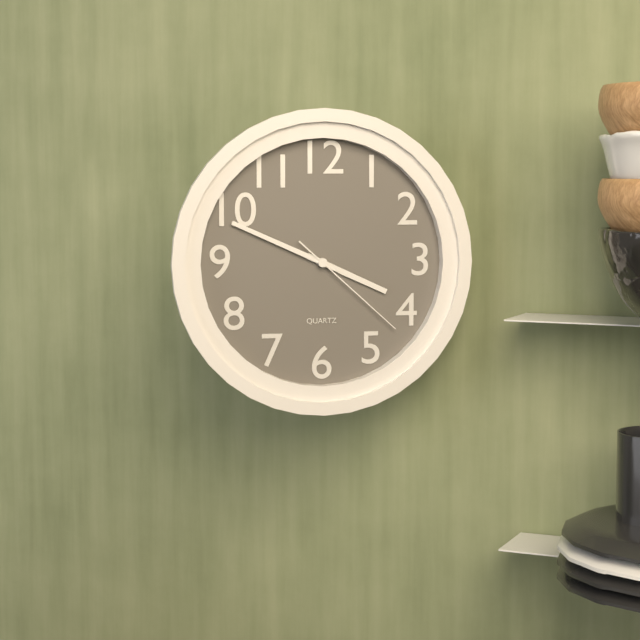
3:49:22
